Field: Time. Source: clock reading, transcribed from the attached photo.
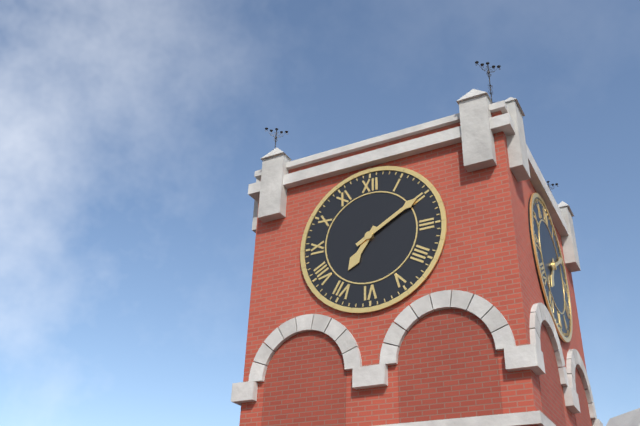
7:10
